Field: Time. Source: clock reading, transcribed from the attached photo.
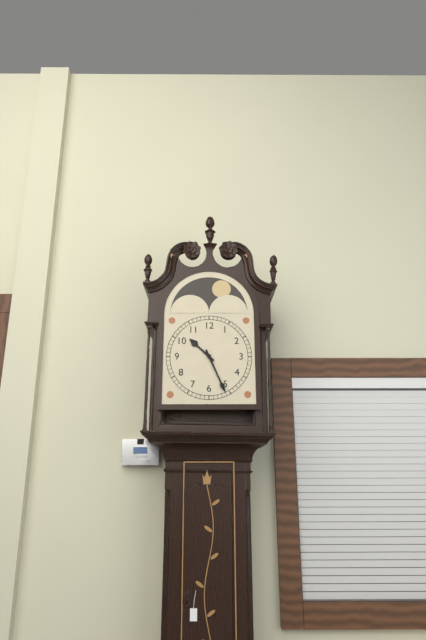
10:26
